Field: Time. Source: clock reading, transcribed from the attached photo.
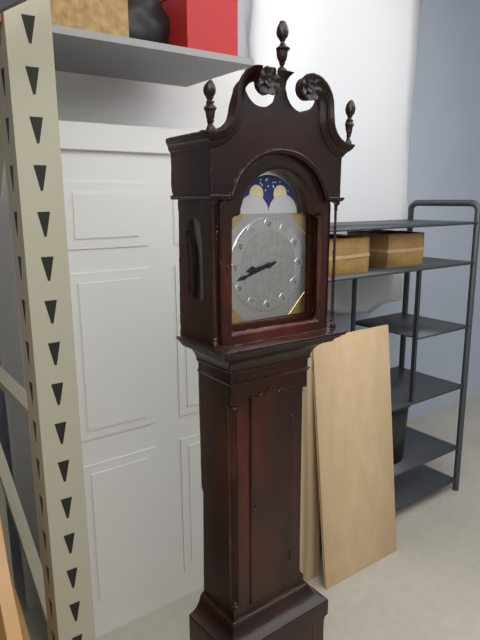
8:42
